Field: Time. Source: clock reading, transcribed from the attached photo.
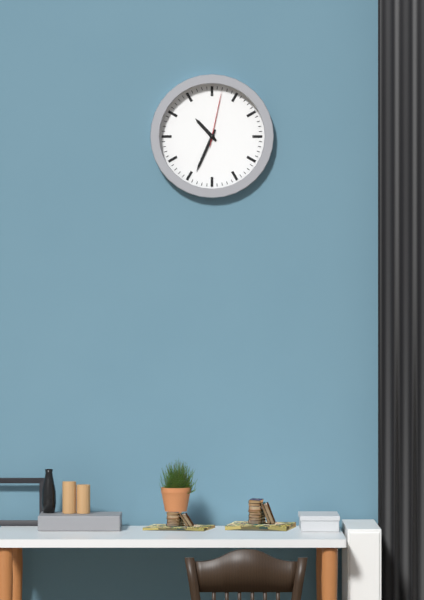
10:34:02
